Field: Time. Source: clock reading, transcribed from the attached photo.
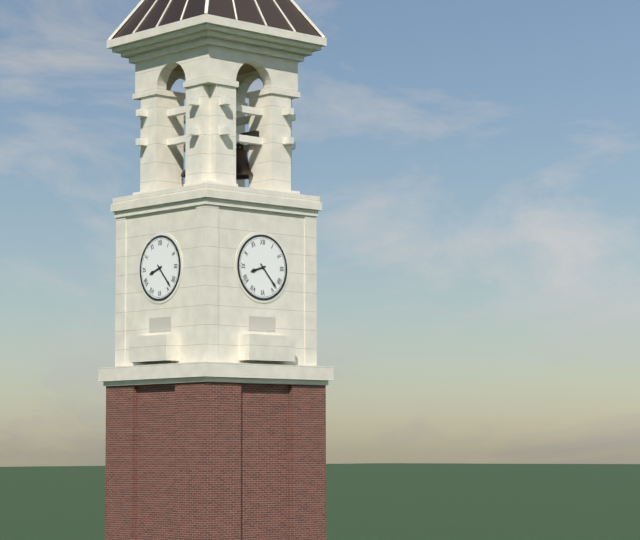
8:23
